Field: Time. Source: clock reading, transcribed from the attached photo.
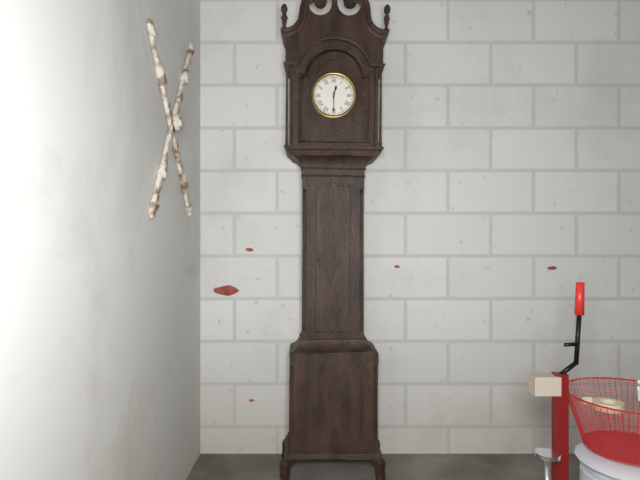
12:30
